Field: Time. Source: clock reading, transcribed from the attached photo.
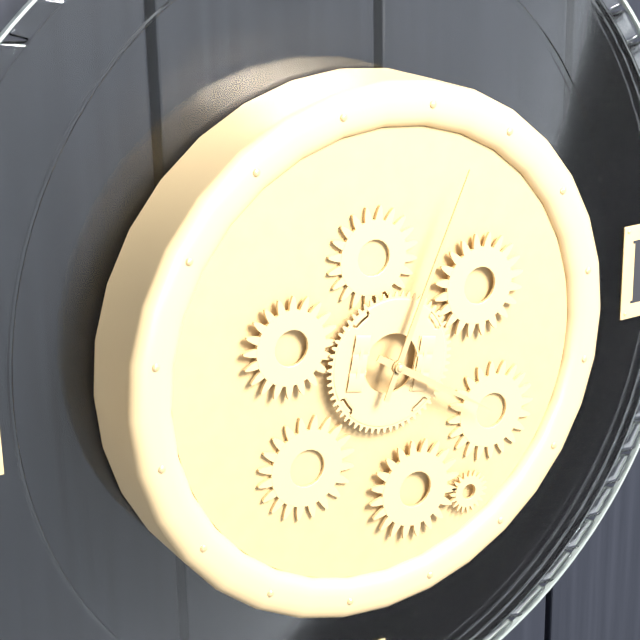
4:04
